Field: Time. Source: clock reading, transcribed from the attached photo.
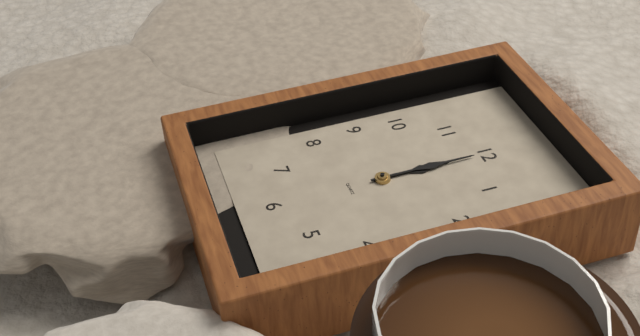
12:00
